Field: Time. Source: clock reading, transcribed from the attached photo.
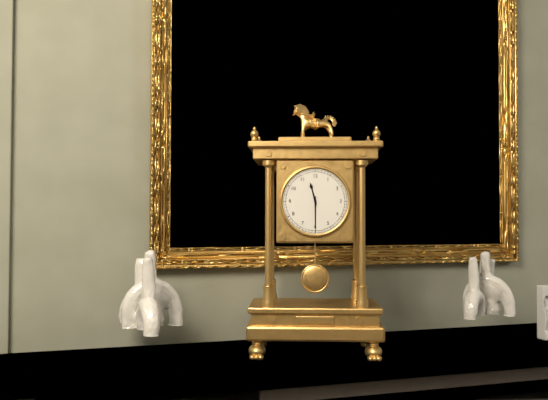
11:30
